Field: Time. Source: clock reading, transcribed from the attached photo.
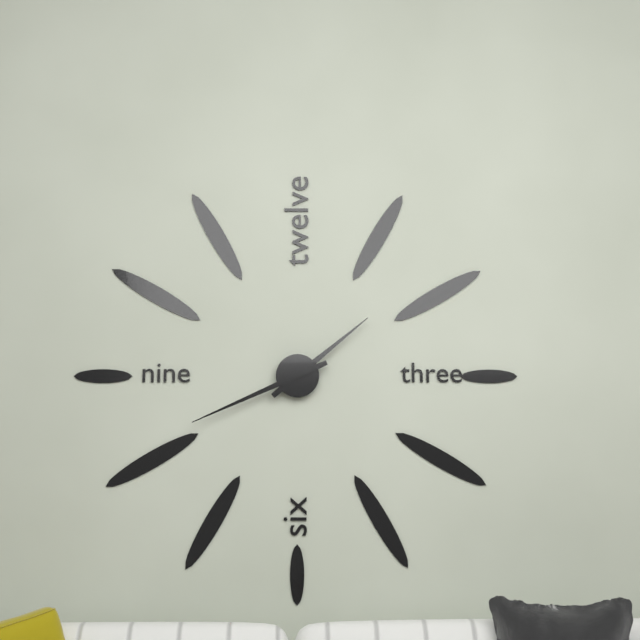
1:41
